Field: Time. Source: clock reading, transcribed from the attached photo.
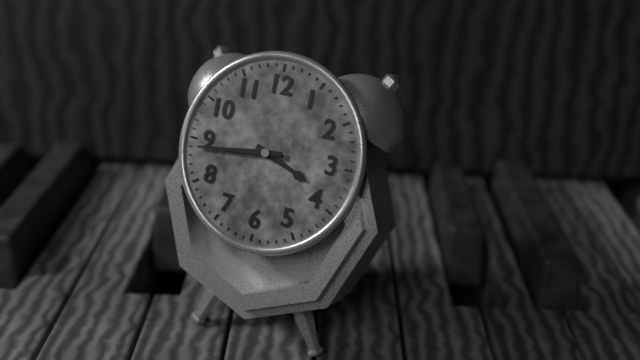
3:44
